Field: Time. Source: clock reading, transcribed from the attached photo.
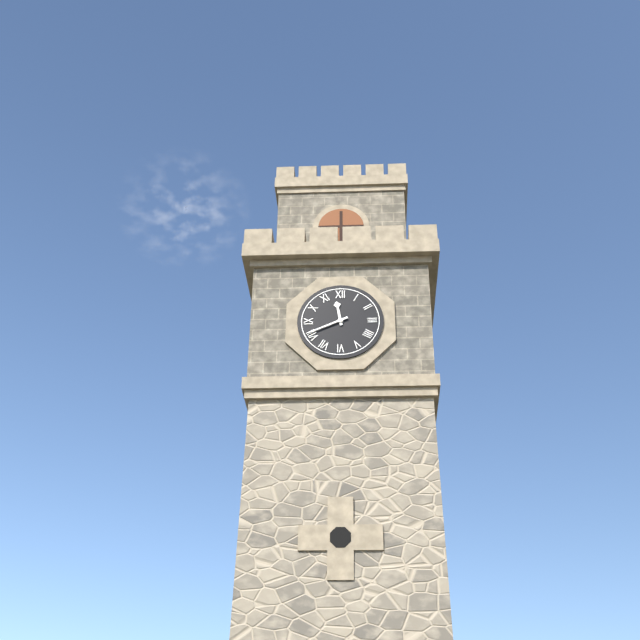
11:41
